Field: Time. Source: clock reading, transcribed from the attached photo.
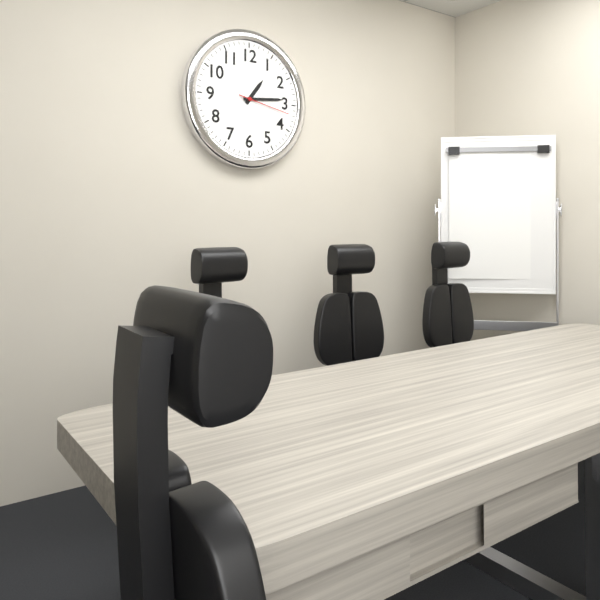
1:14:17
